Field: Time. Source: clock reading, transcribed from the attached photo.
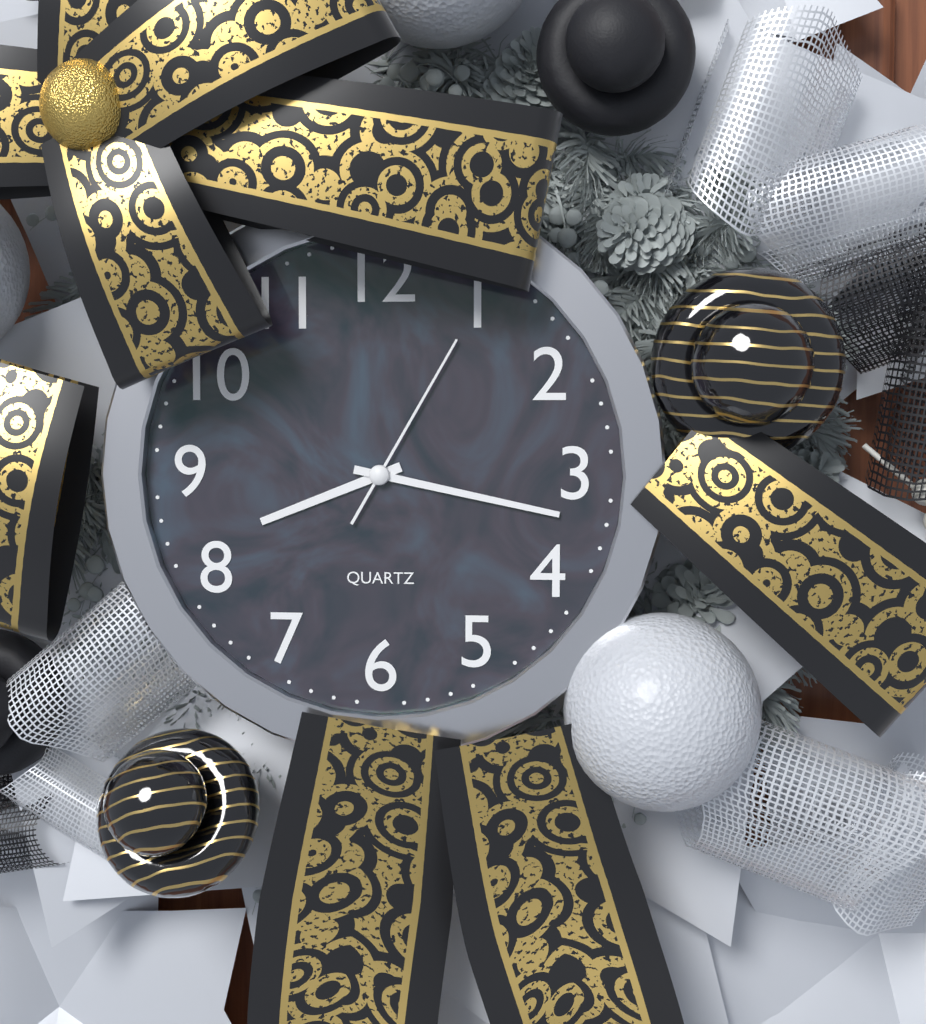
8:17:05
